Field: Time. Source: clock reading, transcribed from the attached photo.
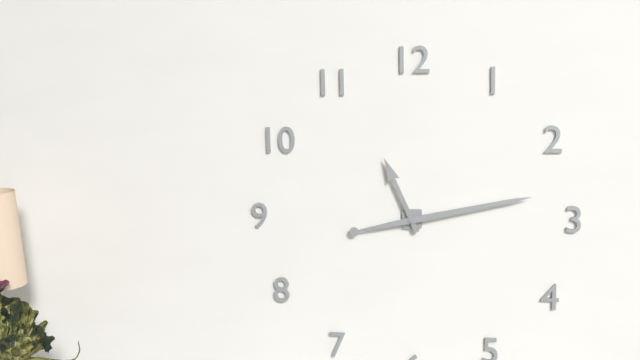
11:13
